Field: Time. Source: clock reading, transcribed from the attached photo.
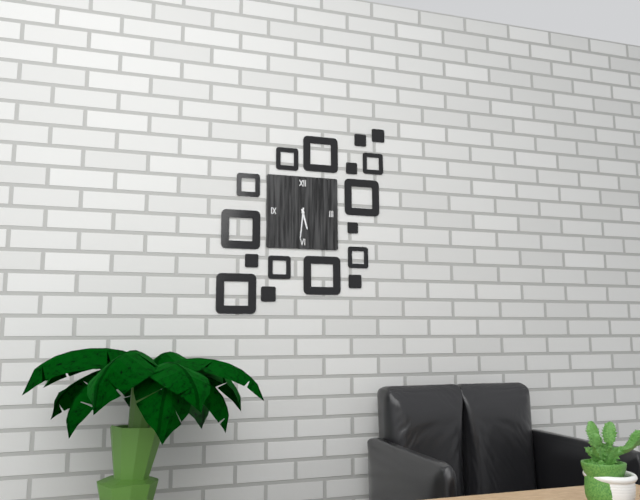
5:31
